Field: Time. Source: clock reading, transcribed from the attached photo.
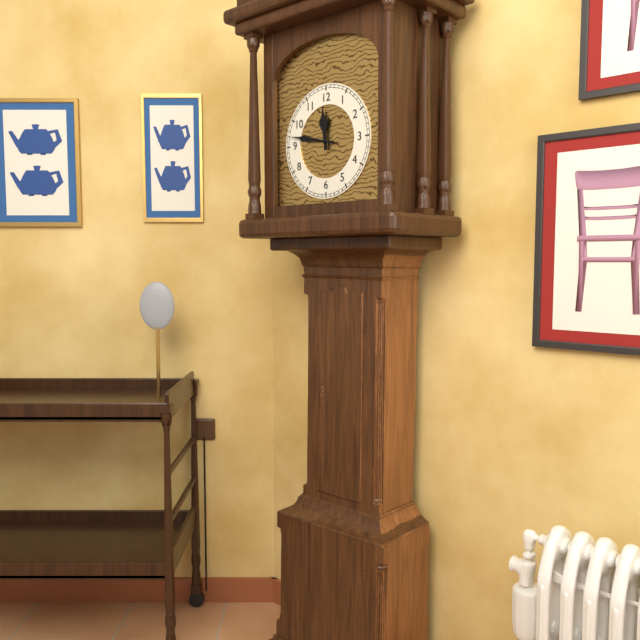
11:47
